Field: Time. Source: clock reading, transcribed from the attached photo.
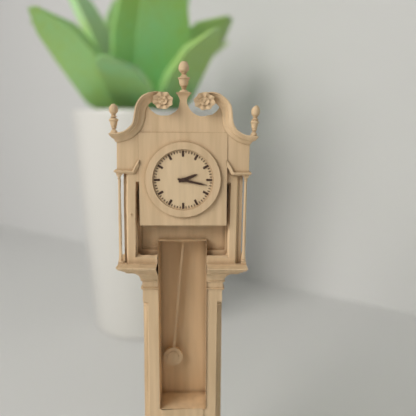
2:17
